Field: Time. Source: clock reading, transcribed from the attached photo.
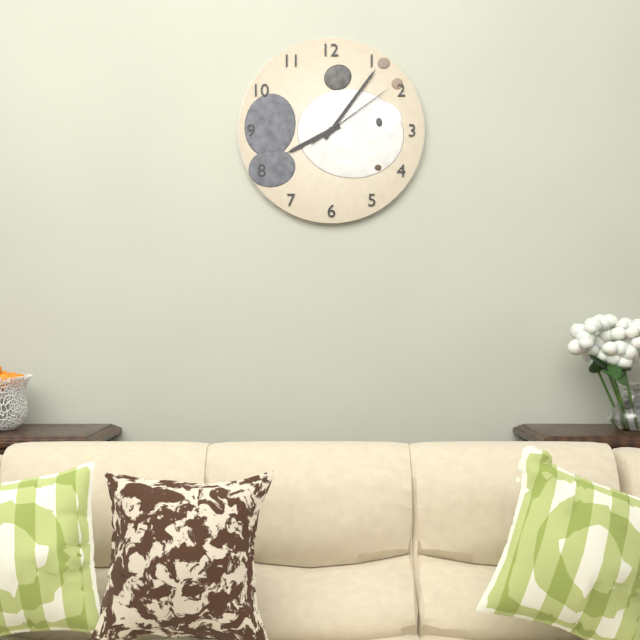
8:06:09
